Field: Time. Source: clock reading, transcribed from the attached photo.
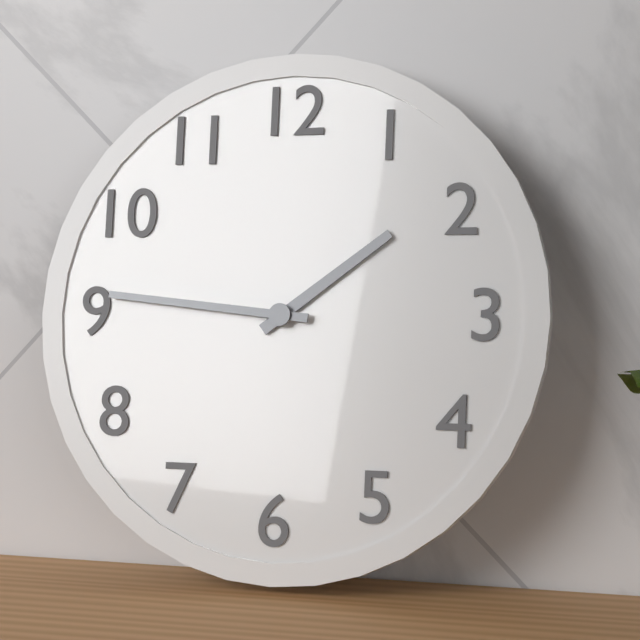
1:46
